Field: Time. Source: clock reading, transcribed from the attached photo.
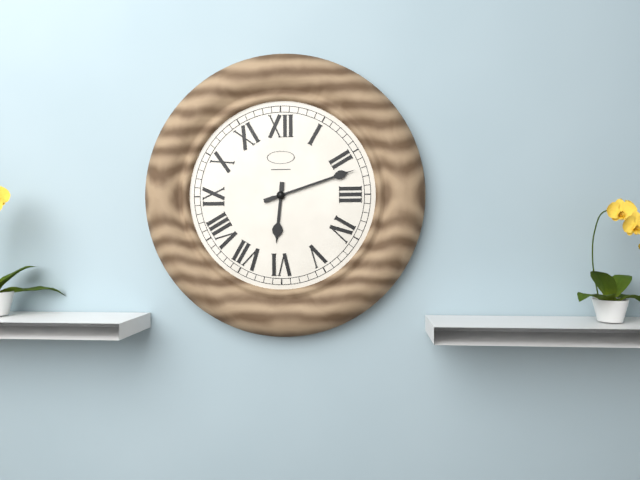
6:12
